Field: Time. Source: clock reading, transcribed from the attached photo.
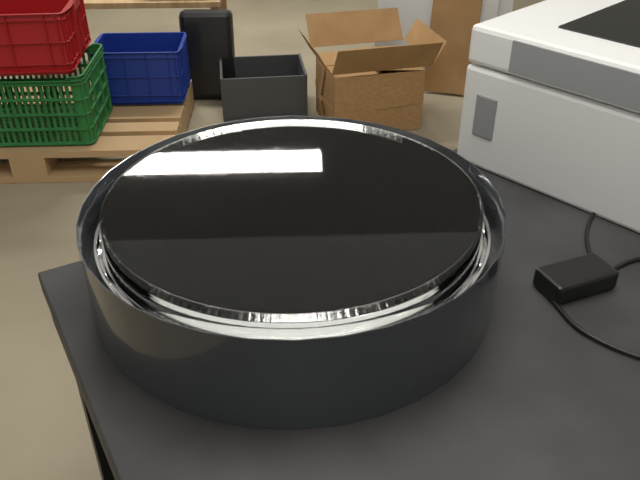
12:35
